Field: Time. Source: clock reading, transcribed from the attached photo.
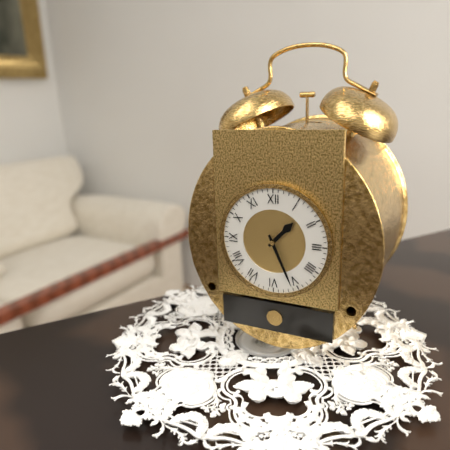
1:26
